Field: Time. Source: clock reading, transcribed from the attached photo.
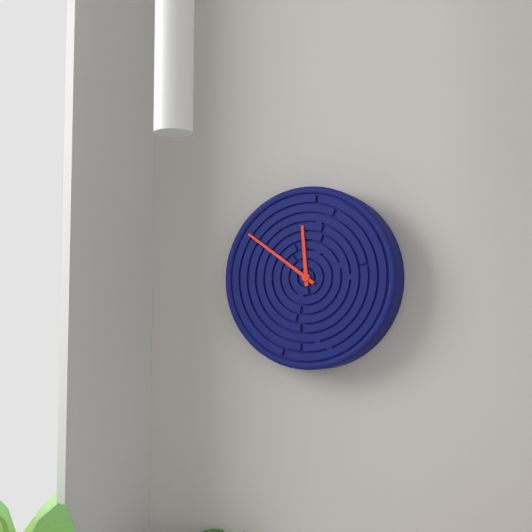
11:51
